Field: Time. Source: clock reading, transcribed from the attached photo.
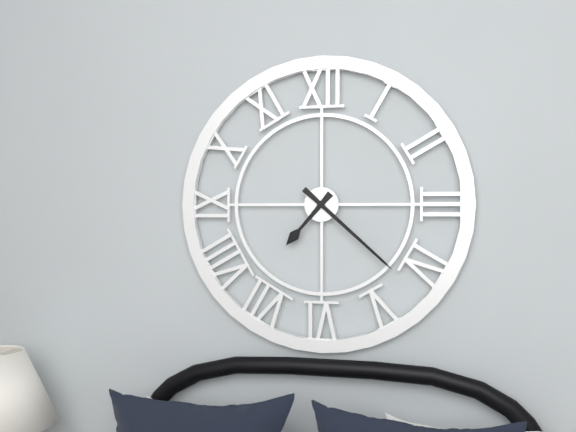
7:22
